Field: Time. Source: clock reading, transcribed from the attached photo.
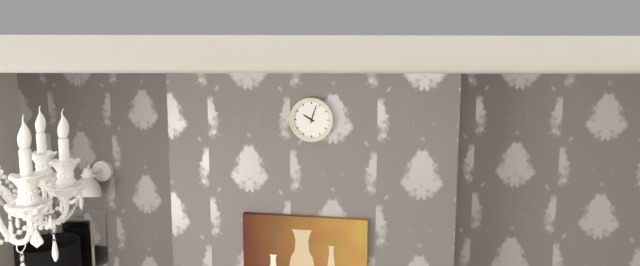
10:03
